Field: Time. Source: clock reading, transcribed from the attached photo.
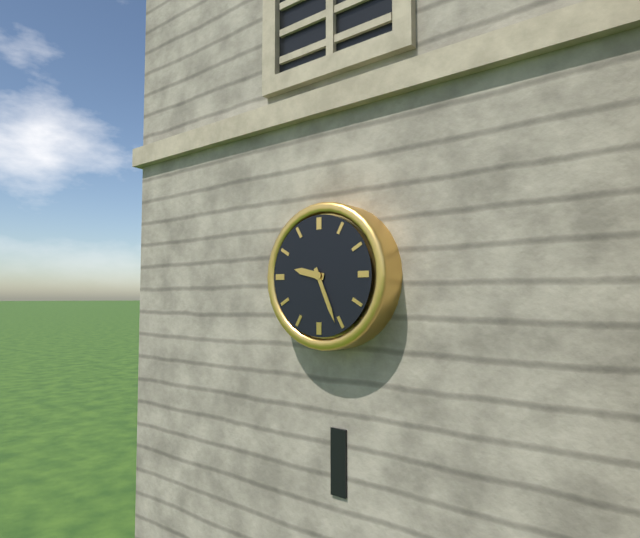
9:26
